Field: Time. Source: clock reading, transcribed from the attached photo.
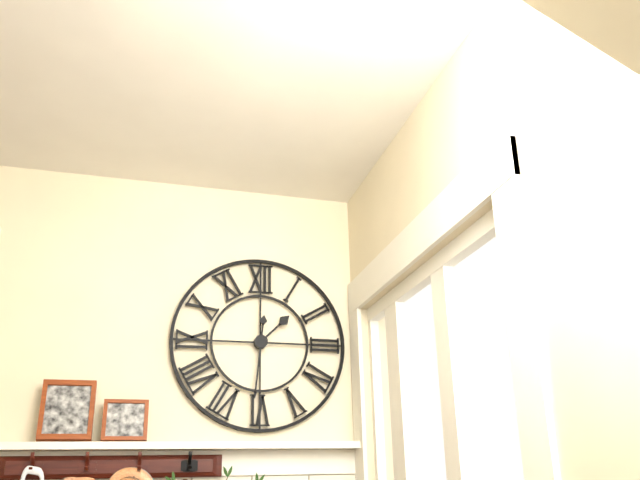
1:31
